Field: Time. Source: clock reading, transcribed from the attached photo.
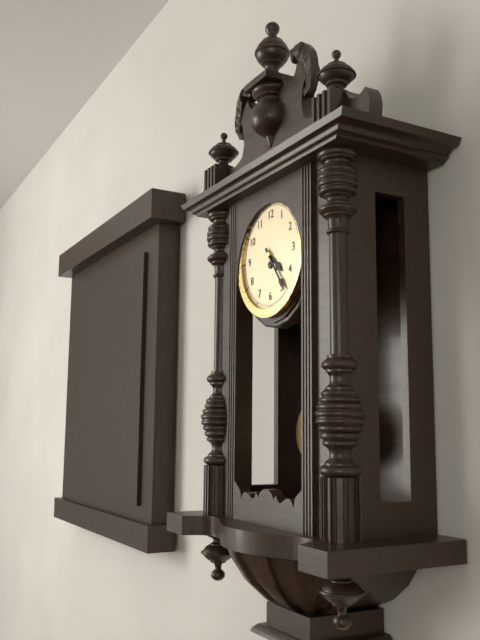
4:24
